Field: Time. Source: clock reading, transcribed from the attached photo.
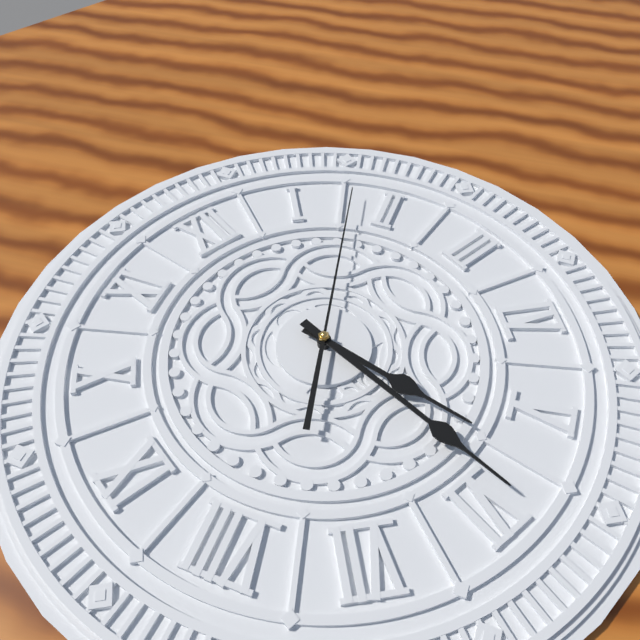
5:29:08
